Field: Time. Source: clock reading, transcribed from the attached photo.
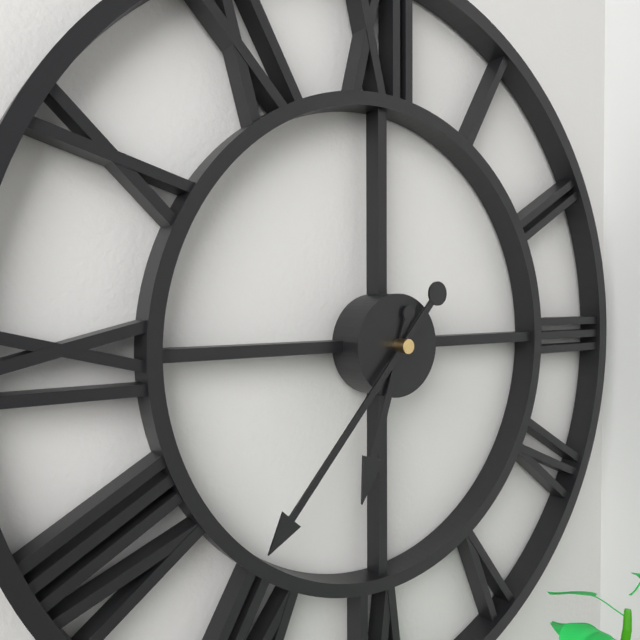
6:37
